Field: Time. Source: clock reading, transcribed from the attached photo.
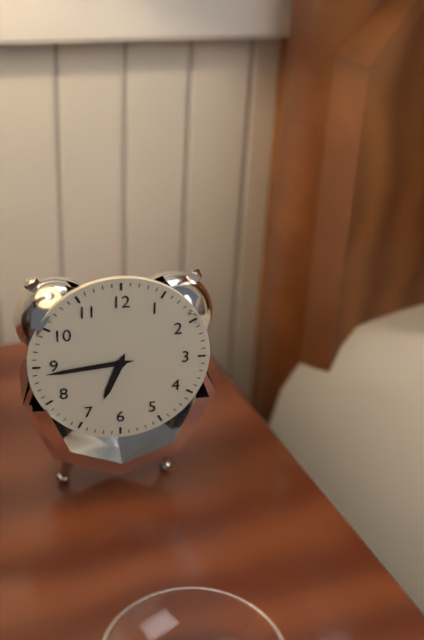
6:44
